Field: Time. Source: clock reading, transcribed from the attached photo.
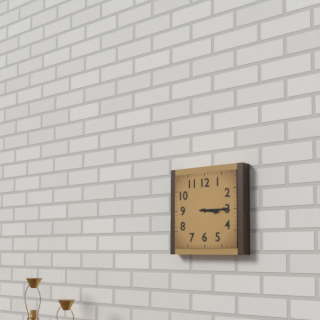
3:15
